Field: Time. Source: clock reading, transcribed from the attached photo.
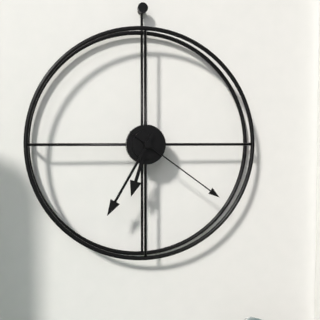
6:35:21
